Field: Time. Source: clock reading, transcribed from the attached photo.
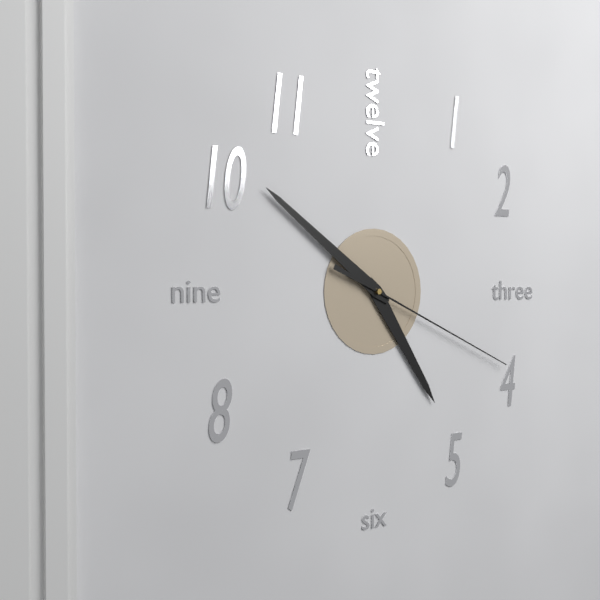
4:51:19
